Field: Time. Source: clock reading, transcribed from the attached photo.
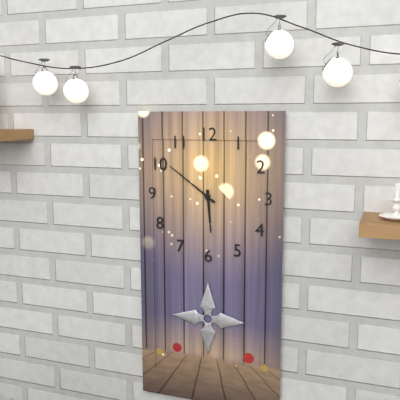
5:51
